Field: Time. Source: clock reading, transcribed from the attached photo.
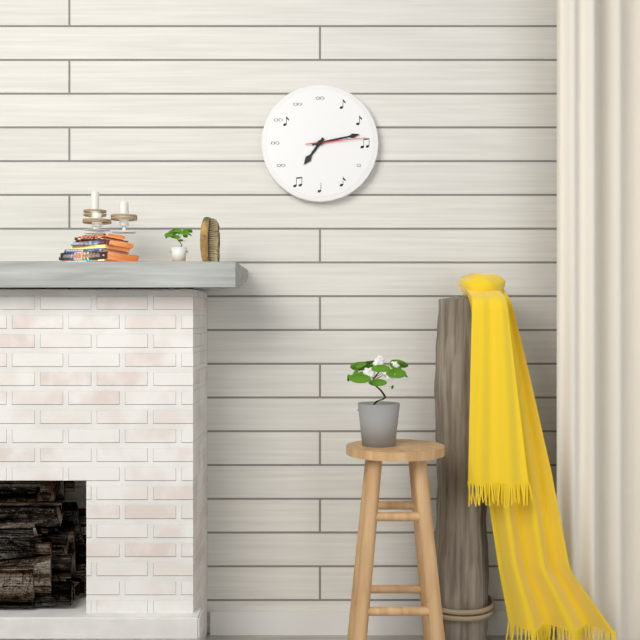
7:13:14
